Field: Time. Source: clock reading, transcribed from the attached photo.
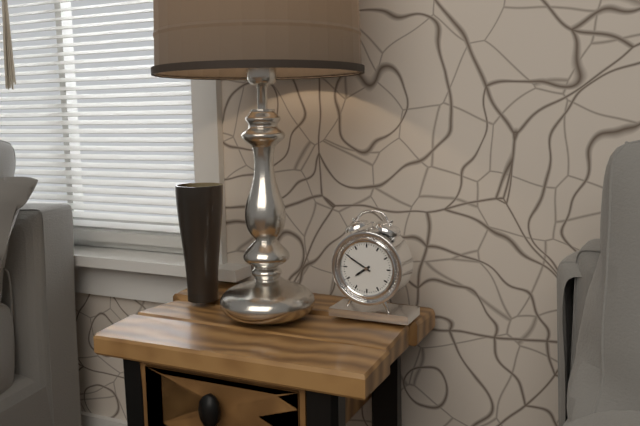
7:50
